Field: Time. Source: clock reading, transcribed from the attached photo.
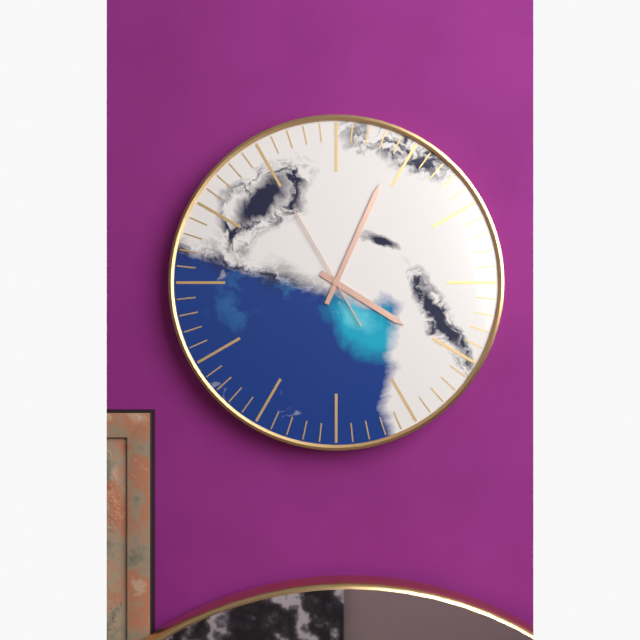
4:04:55
